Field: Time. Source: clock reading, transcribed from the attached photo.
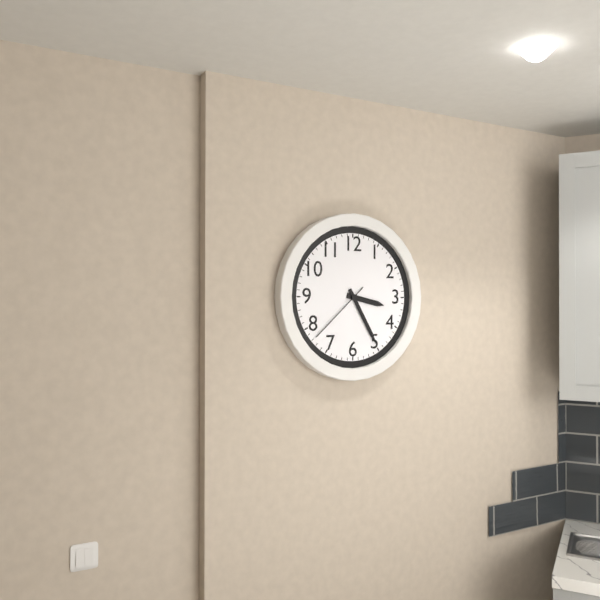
3:25:38
